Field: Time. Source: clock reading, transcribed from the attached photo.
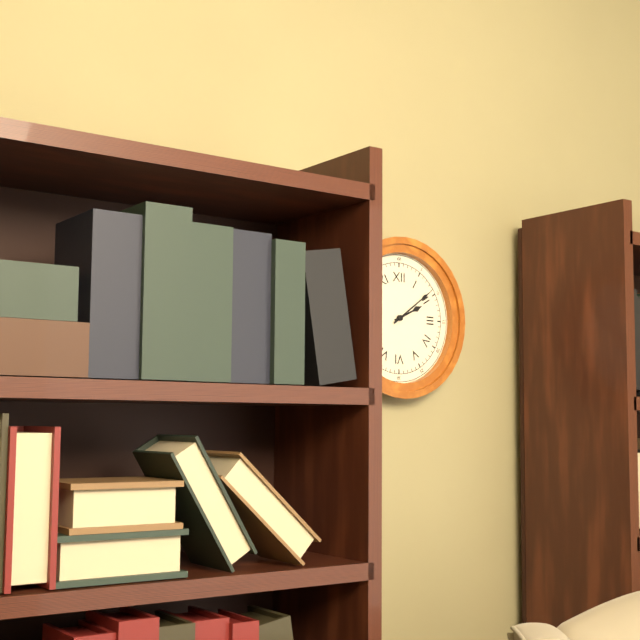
2:09
